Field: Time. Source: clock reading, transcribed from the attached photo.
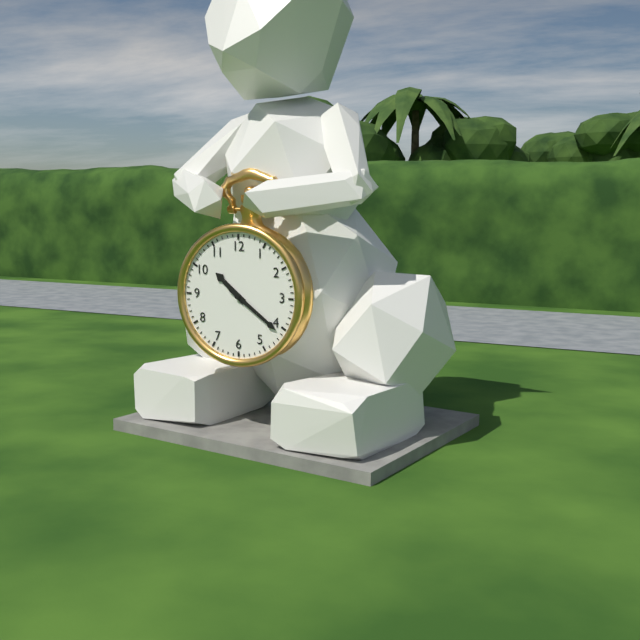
10:21
